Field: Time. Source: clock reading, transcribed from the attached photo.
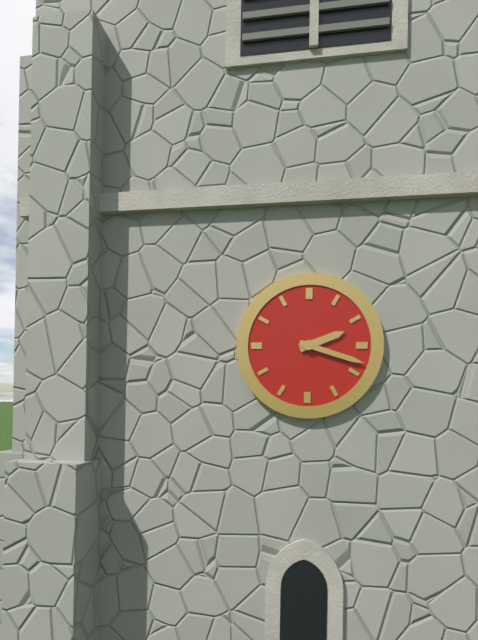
2:18
